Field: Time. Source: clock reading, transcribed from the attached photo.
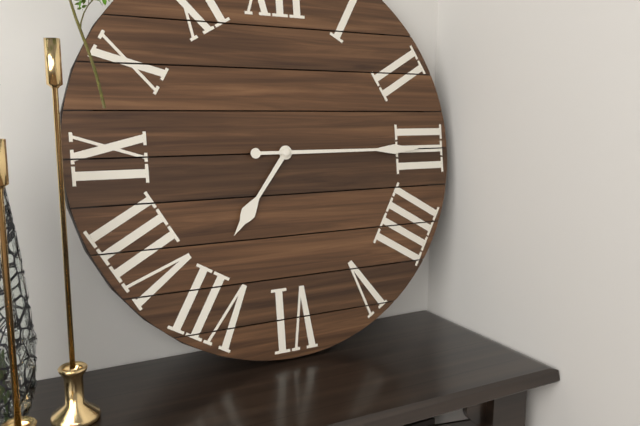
7:15
